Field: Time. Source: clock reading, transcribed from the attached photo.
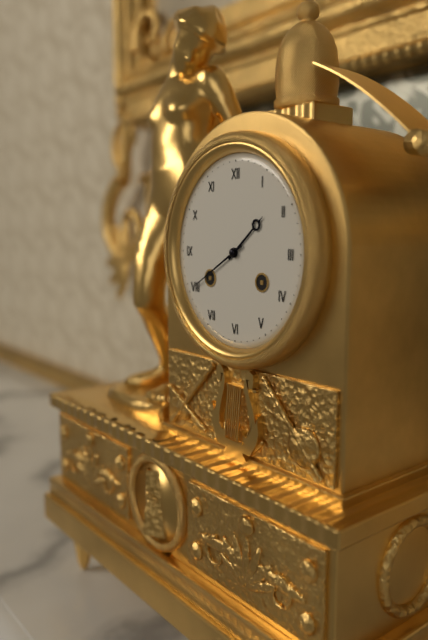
1:40
